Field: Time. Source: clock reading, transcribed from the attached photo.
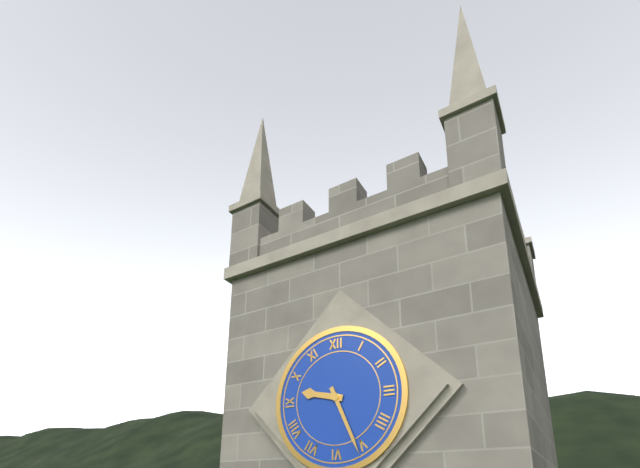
9:26
